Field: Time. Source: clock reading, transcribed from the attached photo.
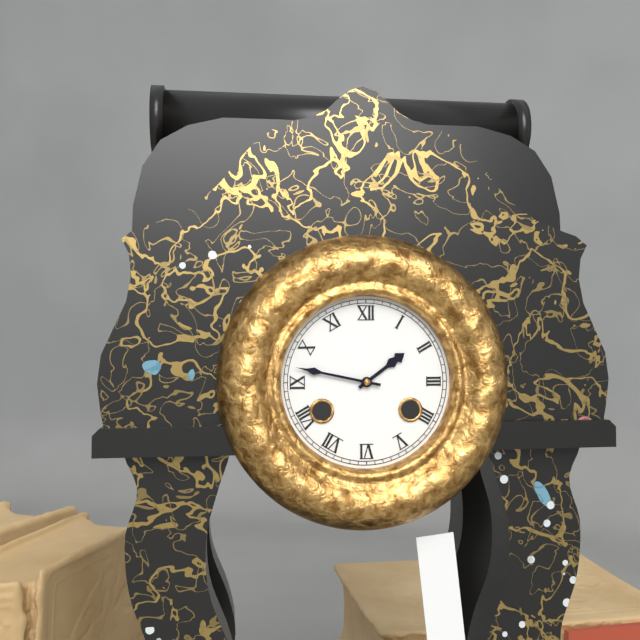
1:47
